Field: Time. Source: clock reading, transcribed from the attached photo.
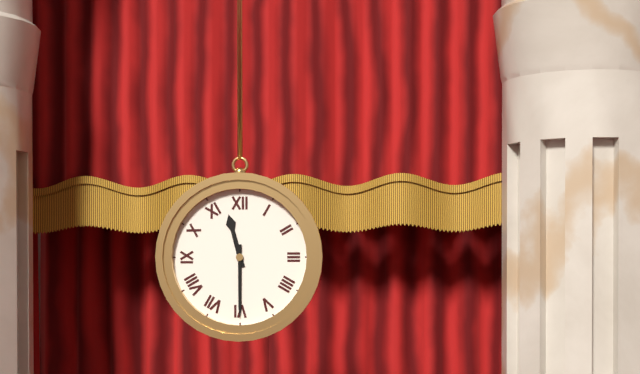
11:30
